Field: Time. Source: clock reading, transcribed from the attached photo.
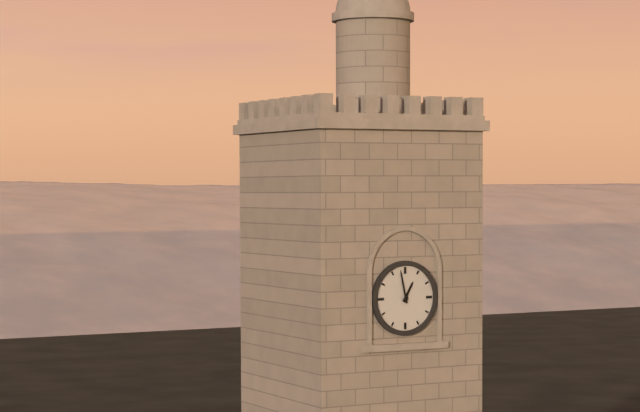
12:58
